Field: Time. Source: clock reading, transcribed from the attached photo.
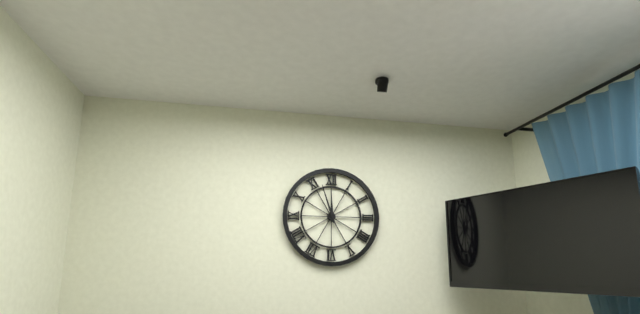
11:57
